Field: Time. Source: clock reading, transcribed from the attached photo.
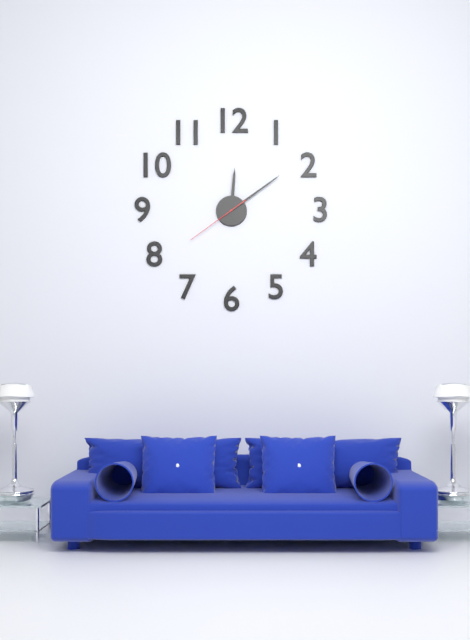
12:09:39
